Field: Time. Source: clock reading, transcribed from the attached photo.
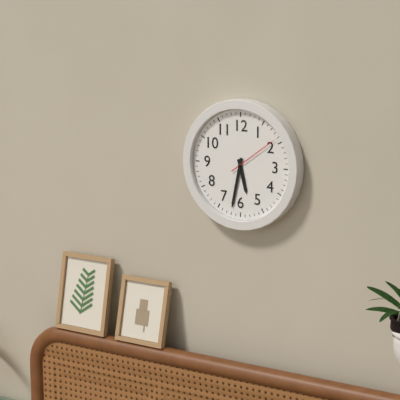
5:32:09
